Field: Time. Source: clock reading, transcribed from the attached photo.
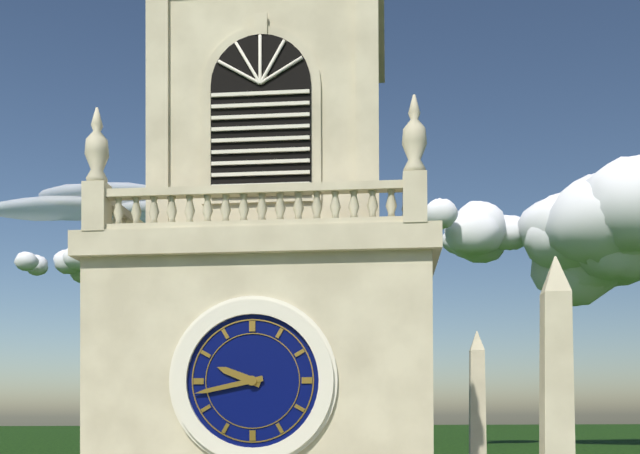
9:43
